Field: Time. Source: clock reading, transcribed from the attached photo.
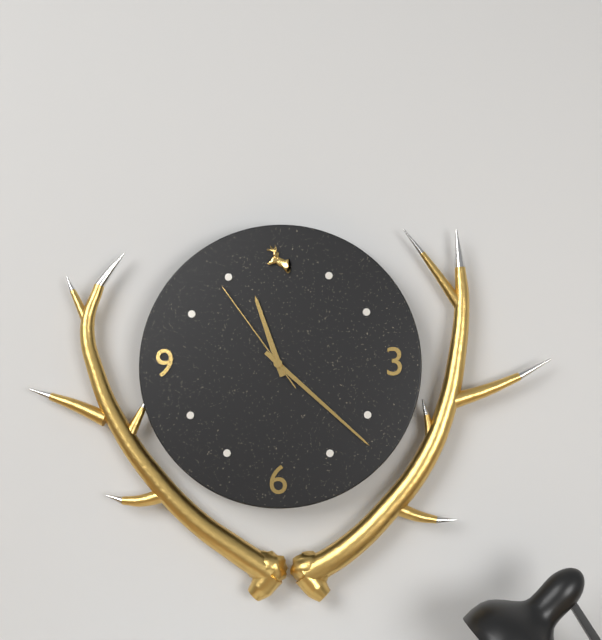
11:22:54
